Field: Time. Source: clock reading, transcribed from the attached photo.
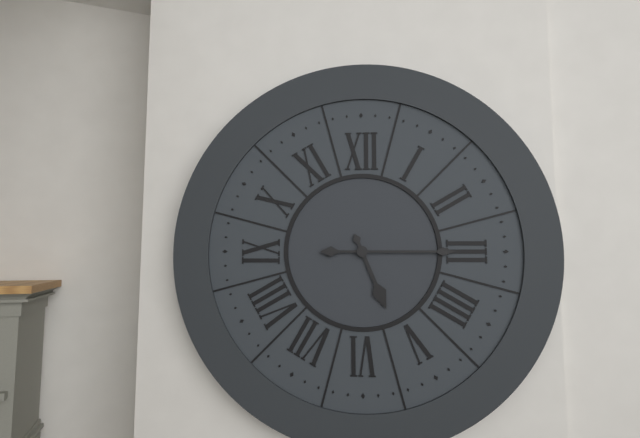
5:15
